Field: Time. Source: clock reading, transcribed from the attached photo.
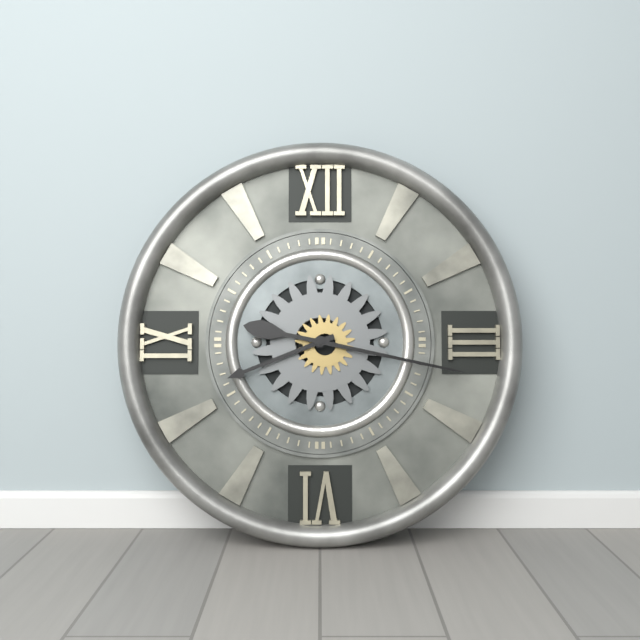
8:17
